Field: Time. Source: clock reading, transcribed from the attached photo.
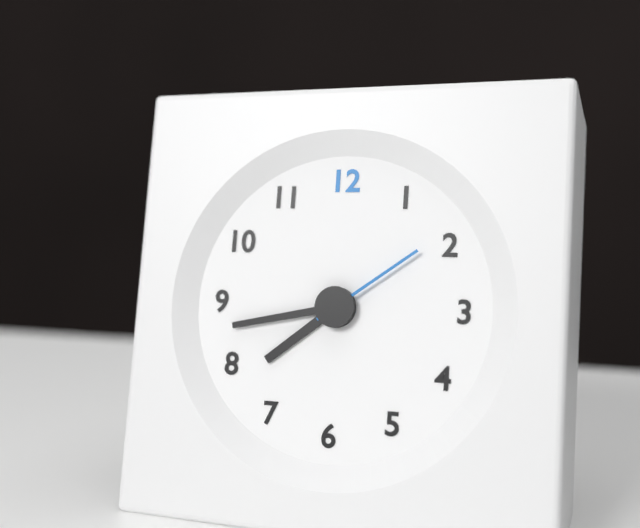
7:43:09
